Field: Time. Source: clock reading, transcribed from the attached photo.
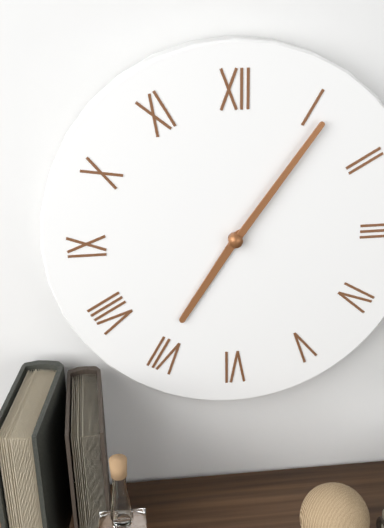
7:06
